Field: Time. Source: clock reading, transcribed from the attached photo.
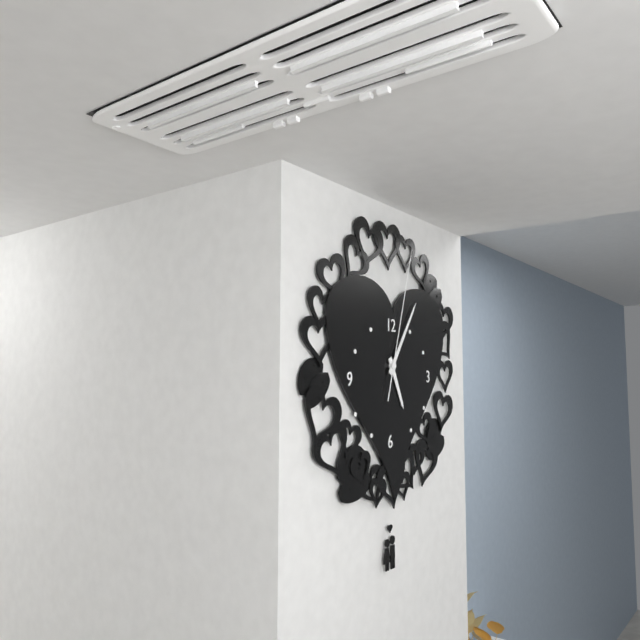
5:06:03
